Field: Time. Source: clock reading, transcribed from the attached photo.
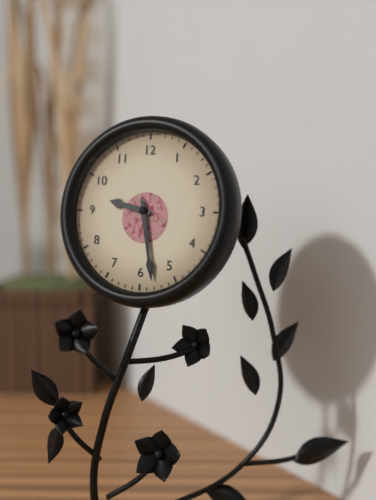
9:28
